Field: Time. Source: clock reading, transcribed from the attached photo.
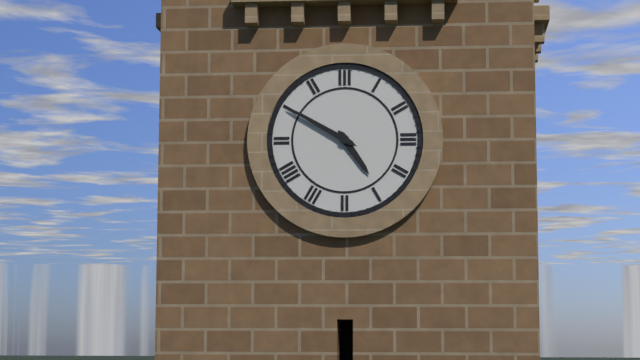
4:50
